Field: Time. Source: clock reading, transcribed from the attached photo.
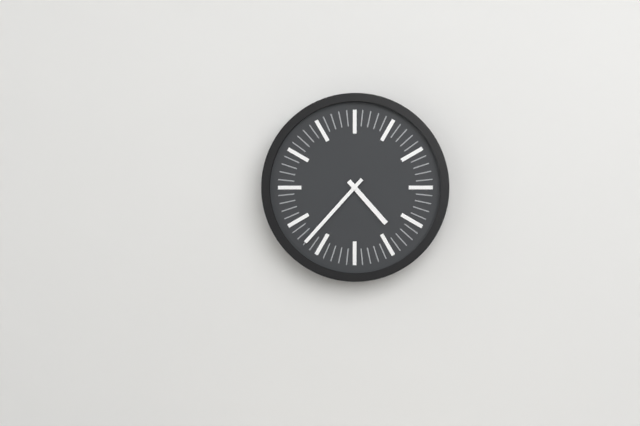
4:37
